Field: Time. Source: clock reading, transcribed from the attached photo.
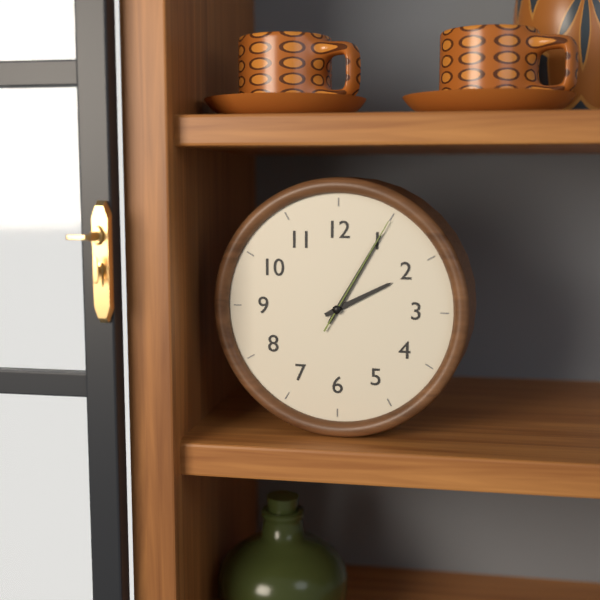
2:05:05
